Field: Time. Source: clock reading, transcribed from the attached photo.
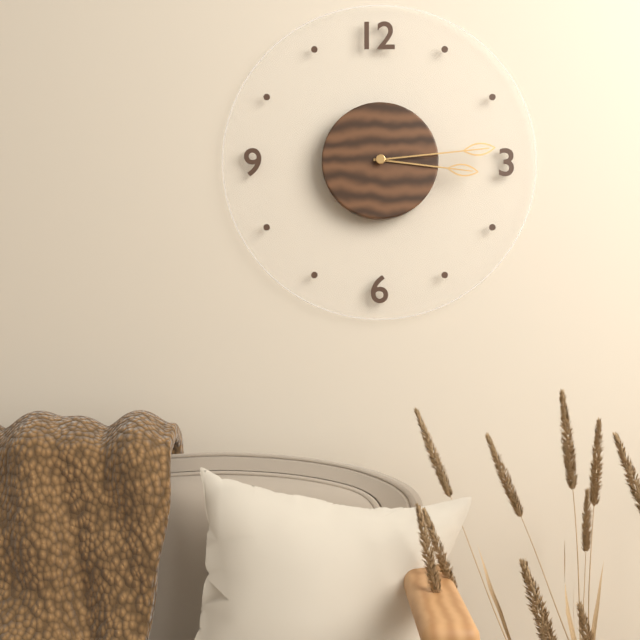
3:14
